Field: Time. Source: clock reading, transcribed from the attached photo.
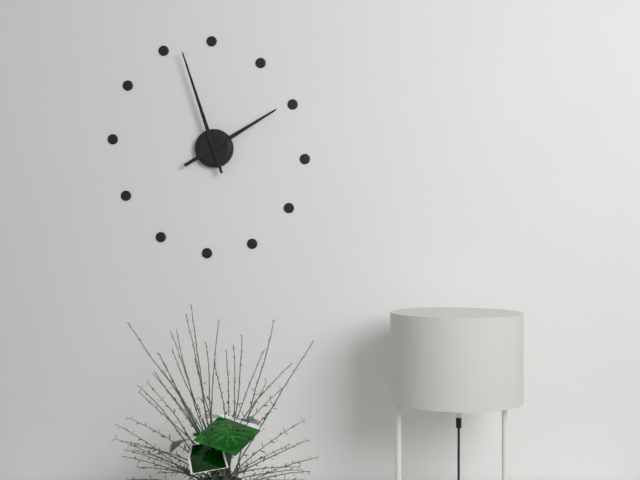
1:57
